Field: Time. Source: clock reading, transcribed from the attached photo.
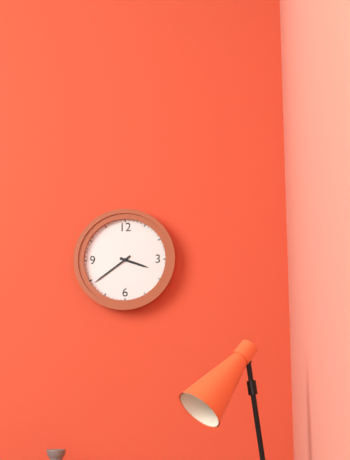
3:39
